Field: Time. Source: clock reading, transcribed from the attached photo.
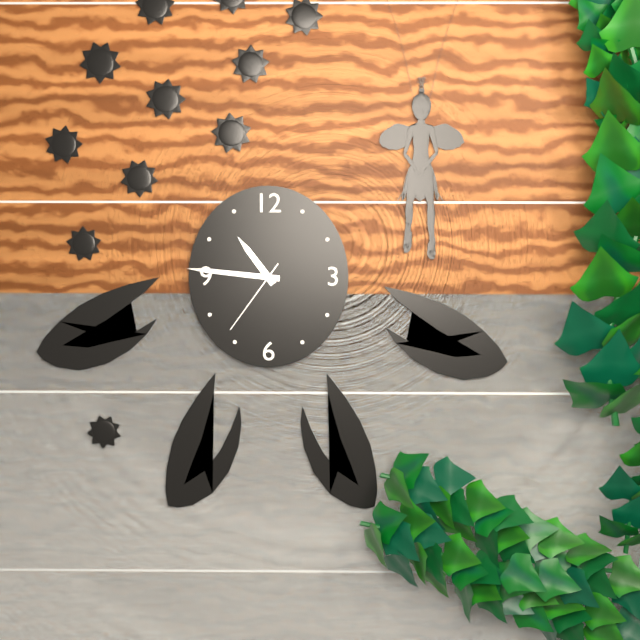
10:46:36
